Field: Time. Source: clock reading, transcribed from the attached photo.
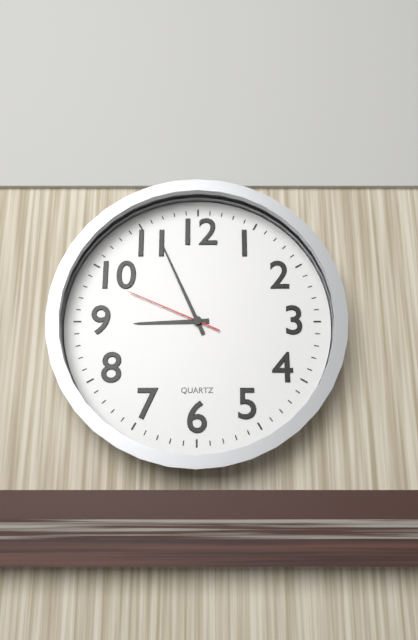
8:56:49
